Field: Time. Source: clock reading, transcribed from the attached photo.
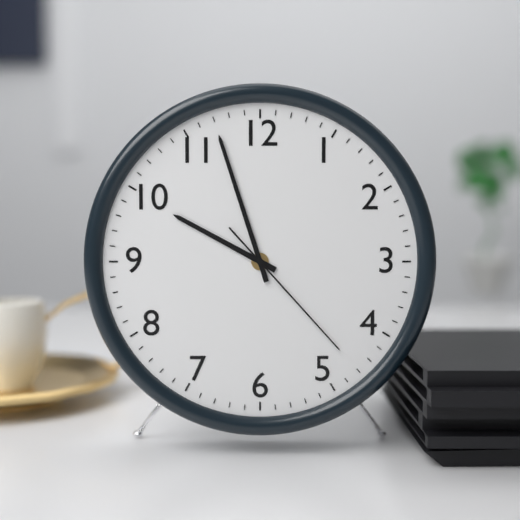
9:57:23
